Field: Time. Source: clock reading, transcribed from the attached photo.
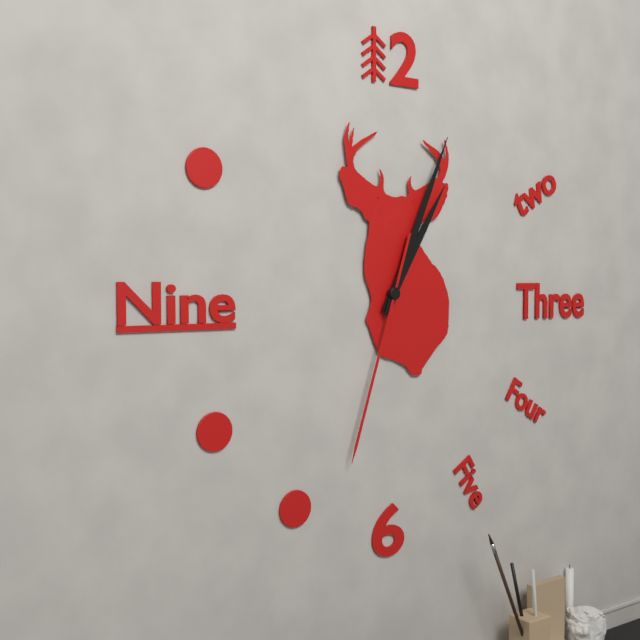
1:04:33
